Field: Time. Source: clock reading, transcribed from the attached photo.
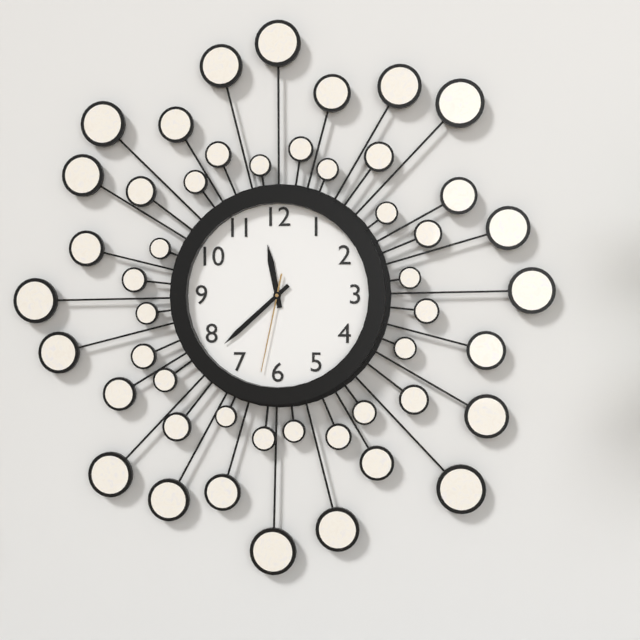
11:38:32
